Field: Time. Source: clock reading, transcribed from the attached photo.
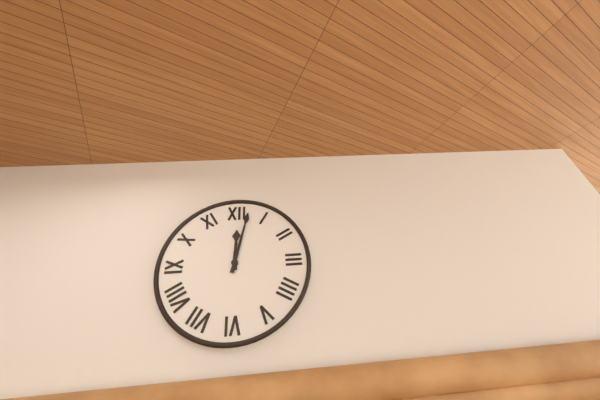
12:02
